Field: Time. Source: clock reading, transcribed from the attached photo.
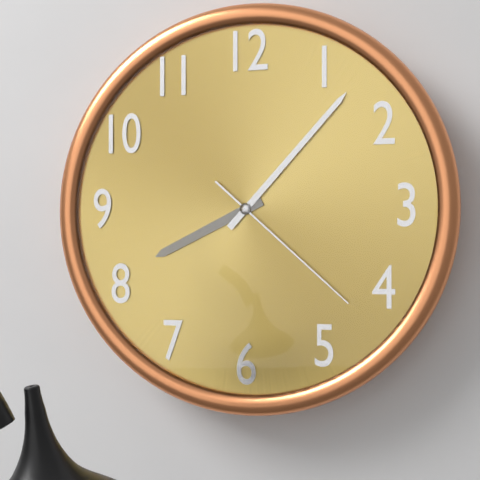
8:07:22
